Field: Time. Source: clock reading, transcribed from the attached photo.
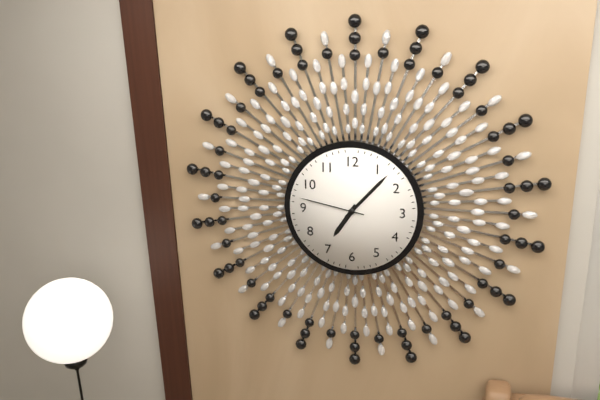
7:07:47
